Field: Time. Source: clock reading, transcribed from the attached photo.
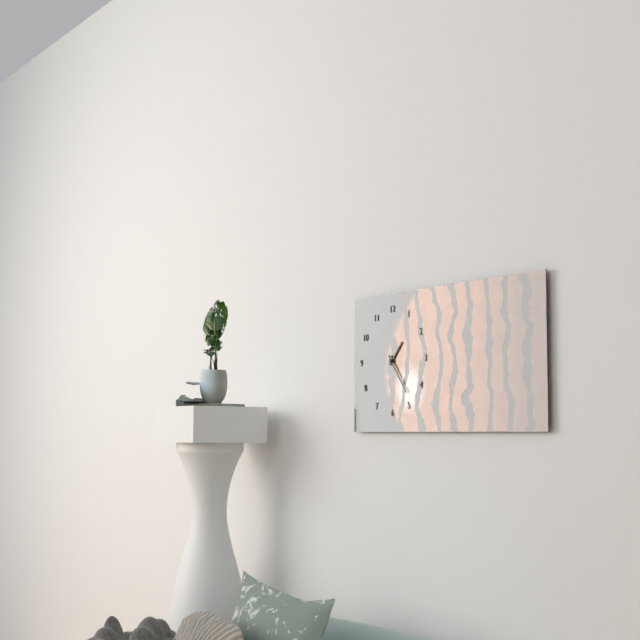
1:24
